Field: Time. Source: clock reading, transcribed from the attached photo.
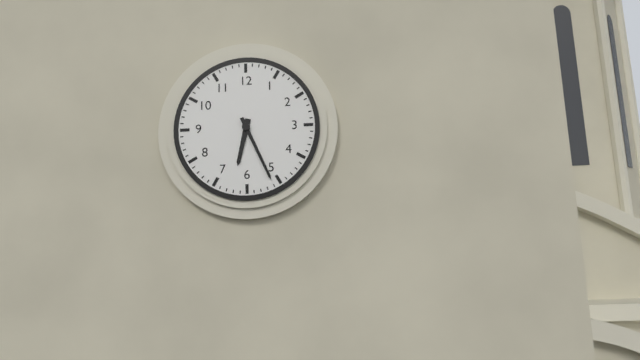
6:26
